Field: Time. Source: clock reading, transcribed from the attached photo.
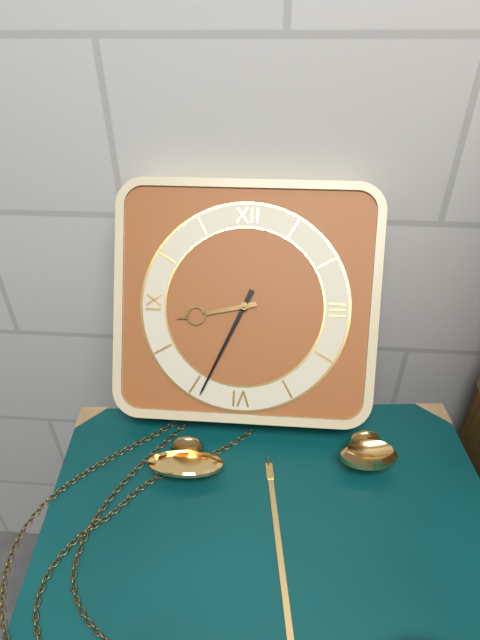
8:34
